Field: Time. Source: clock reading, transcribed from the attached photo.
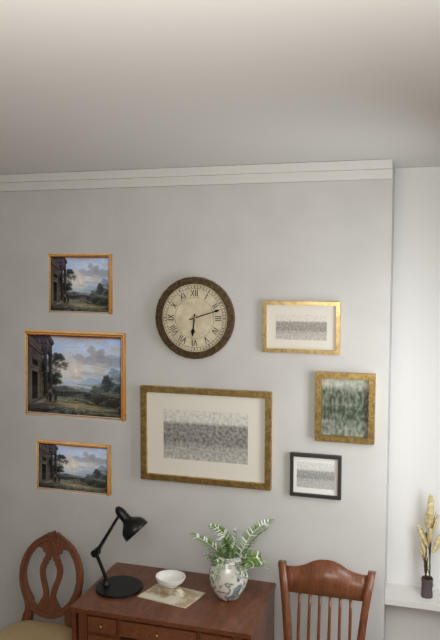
6:12
